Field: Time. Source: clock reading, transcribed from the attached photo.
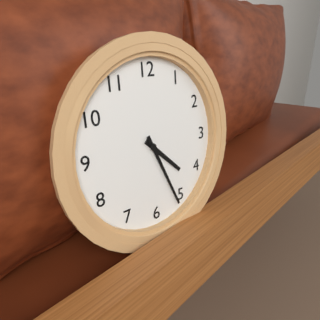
4:26
